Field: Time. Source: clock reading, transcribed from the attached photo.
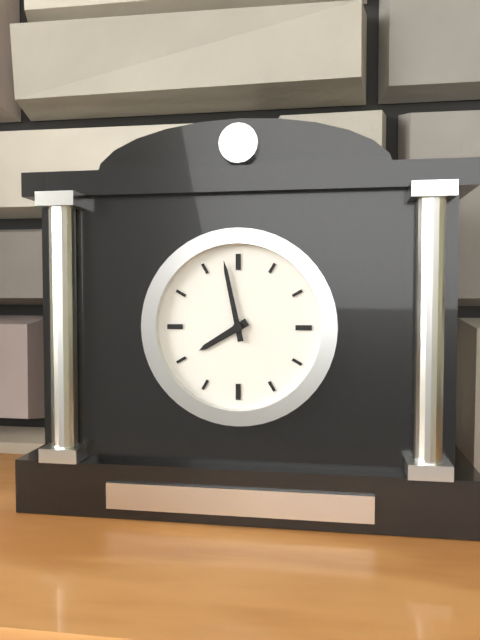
7:58
